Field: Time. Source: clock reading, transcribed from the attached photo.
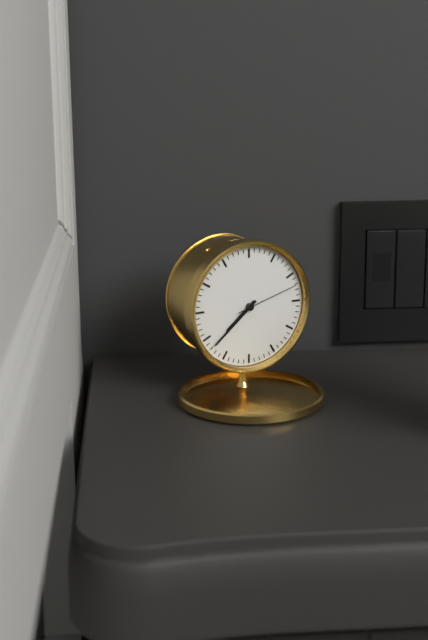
7:38:12
